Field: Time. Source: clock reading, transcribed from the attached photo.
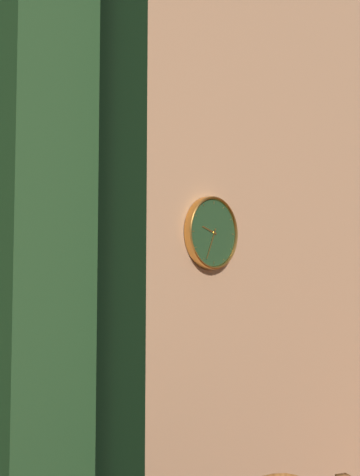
9:34
